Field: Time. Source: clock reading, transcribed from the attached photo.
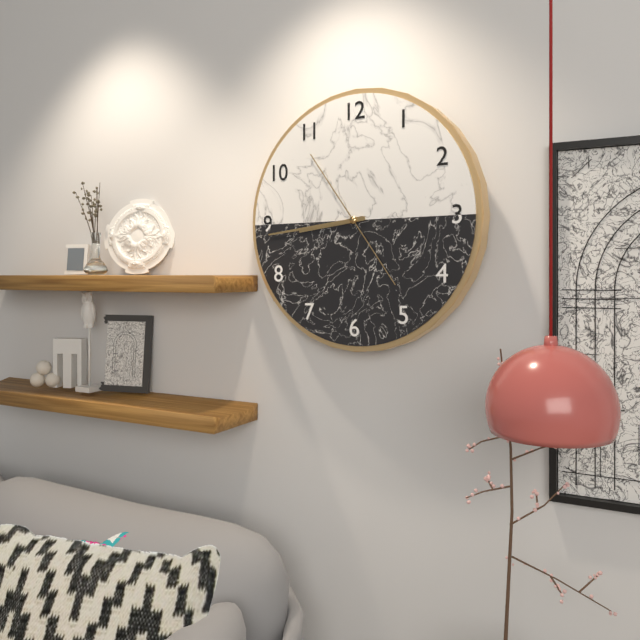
8:44:54
